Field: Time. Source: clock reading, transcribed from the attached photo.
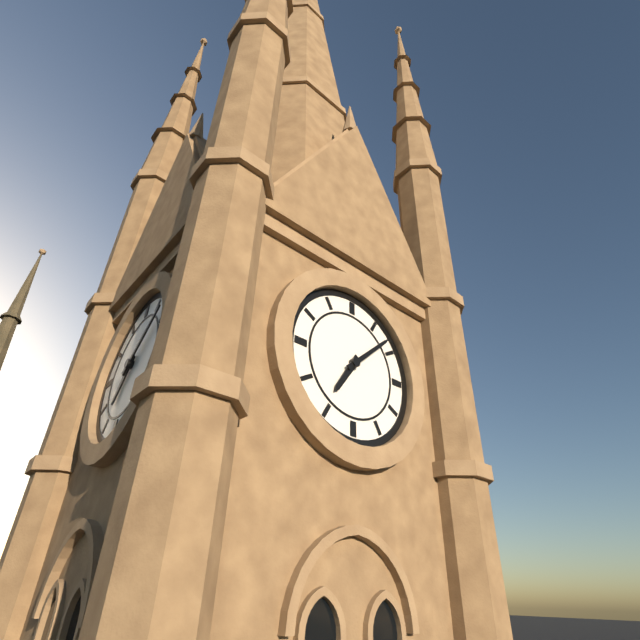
7:08
